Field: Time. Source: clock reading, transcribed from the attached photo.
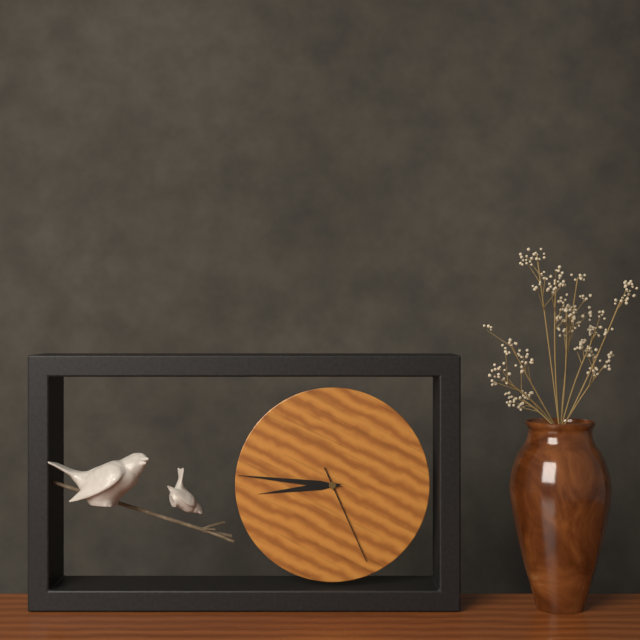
8:46:26
